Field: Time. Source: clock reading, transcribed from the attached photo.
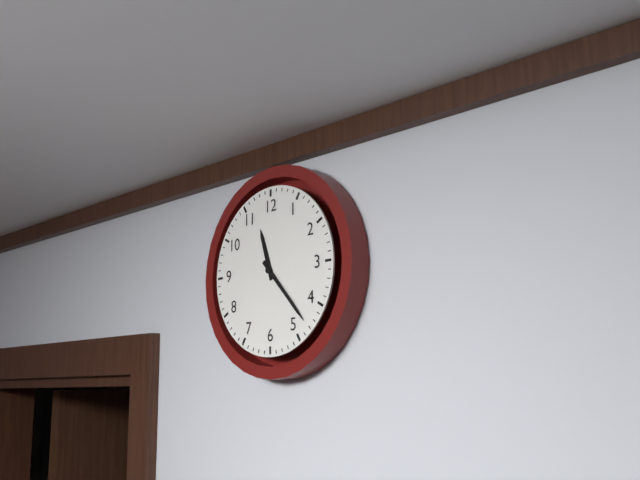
11:23
